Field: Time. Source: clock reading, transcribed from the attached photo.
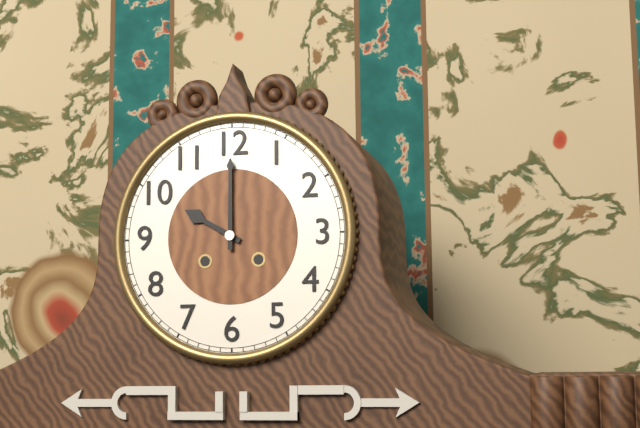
10:00
